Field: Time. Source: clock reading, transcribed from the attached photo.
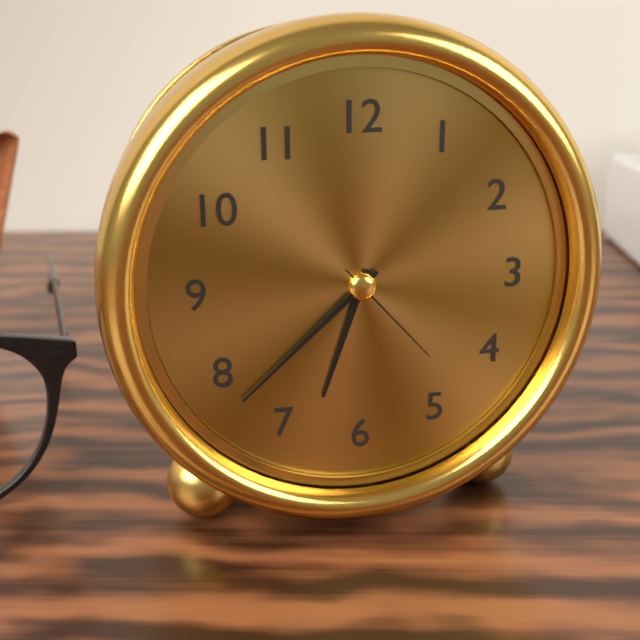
6:38:23
